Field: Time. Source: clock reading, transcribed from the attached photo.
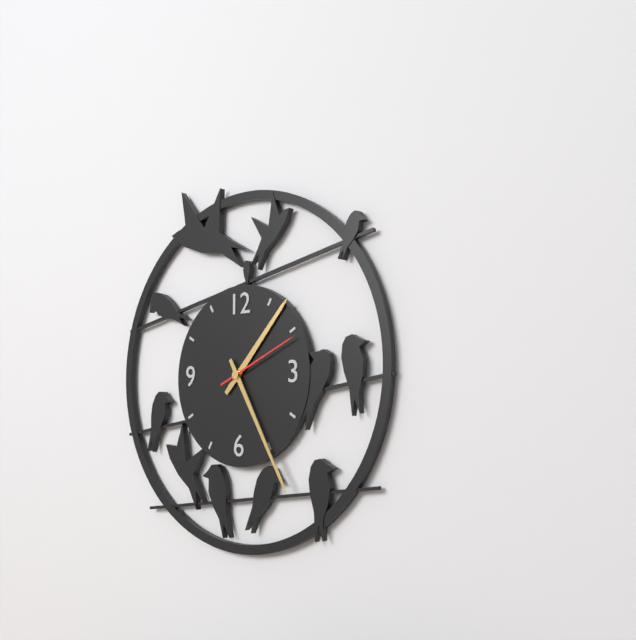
1:25:11
